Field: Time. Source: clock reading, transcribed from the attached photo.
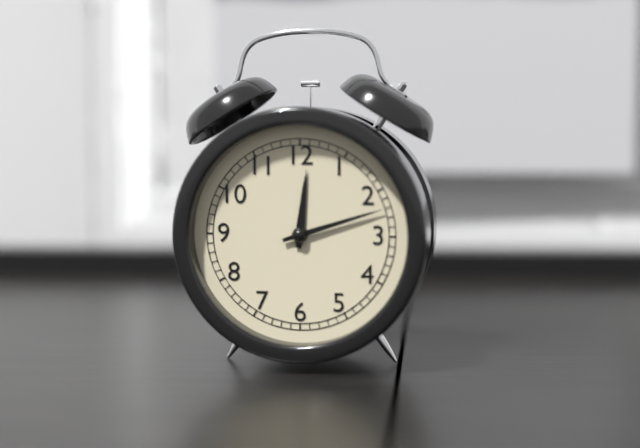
12:12
